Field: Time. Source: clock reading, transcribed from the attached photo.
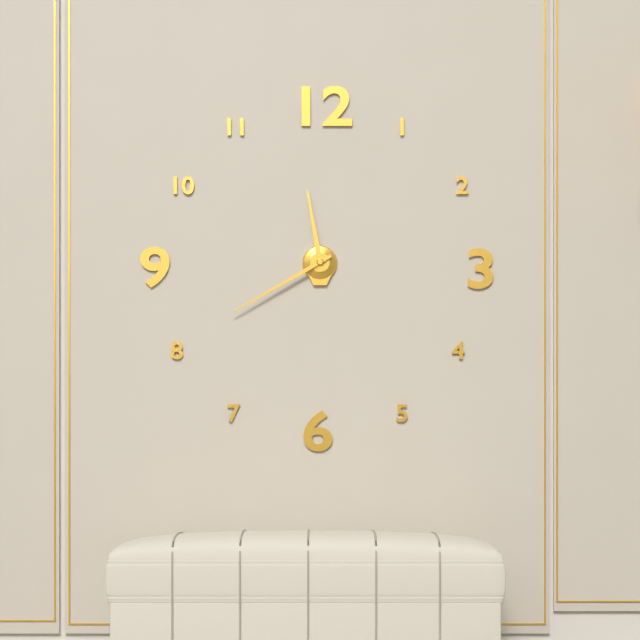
11:40
